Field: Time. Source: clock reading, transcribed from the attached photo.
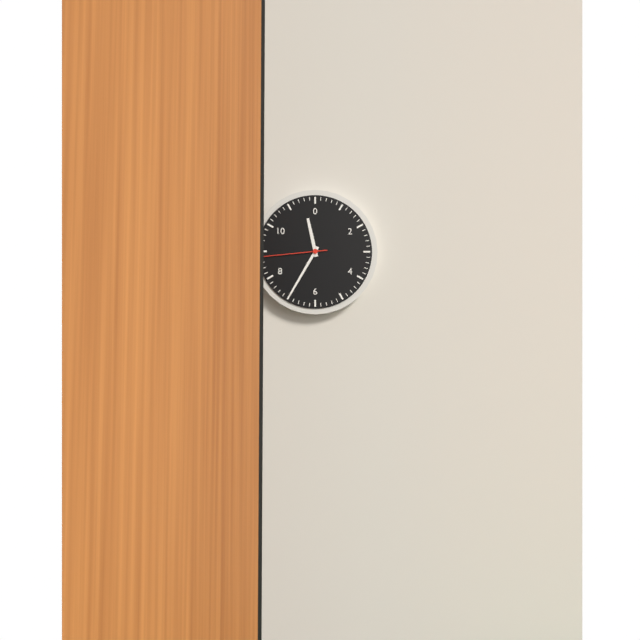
11:35:44
